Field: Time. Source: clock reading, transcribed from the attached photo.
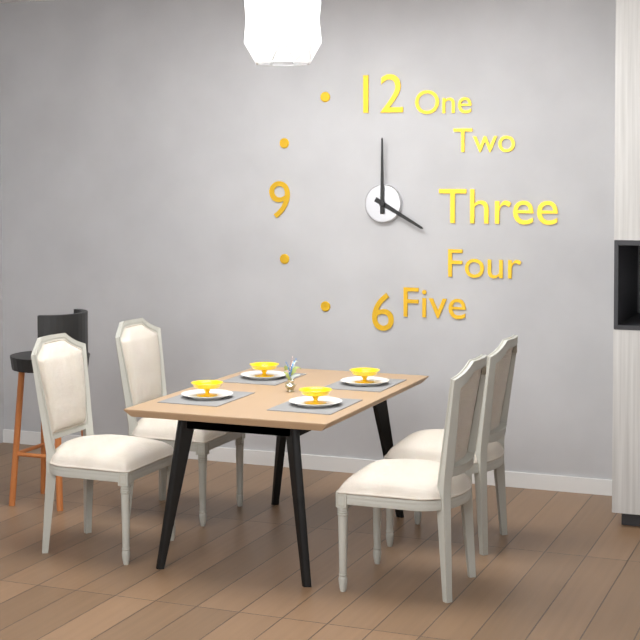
4:00
